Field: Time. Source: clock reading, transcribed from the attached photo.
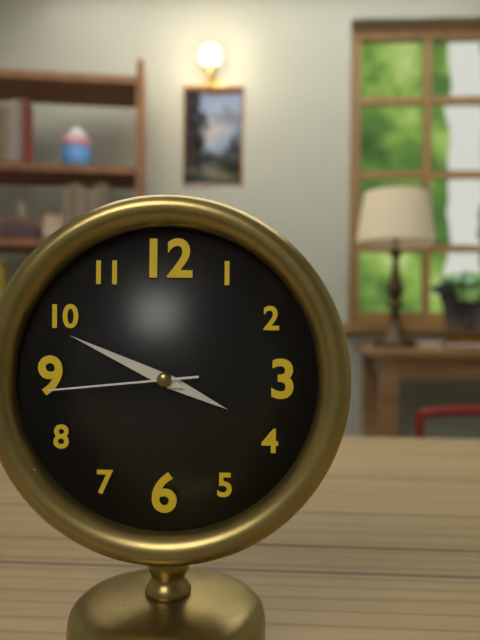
3:49:44
